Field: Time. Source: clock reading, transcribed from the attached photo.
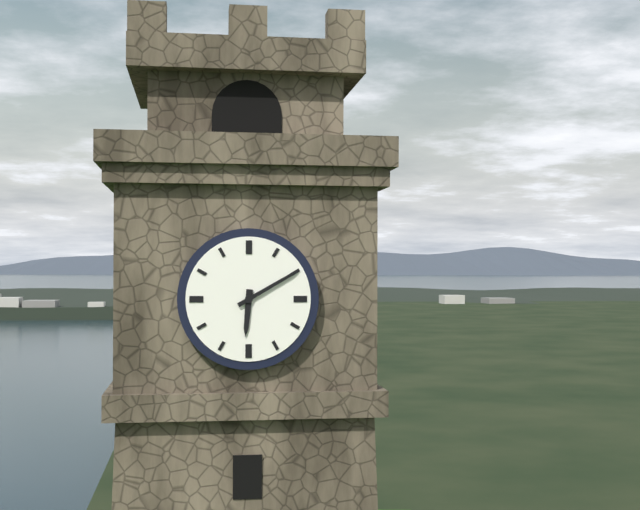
6:10
